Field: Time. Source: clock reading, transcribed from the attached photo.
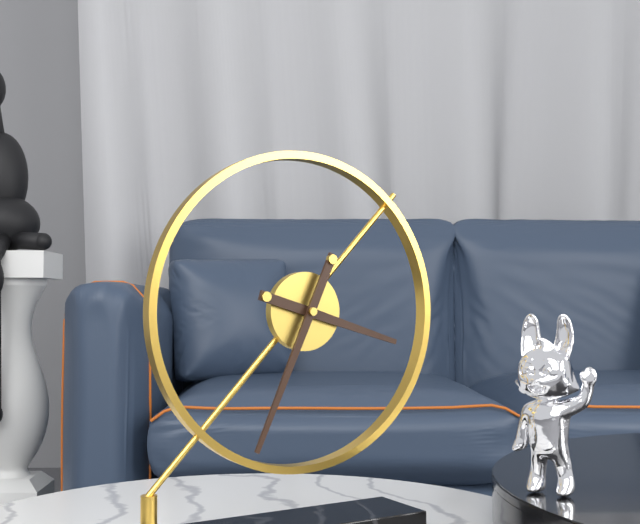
3:34
